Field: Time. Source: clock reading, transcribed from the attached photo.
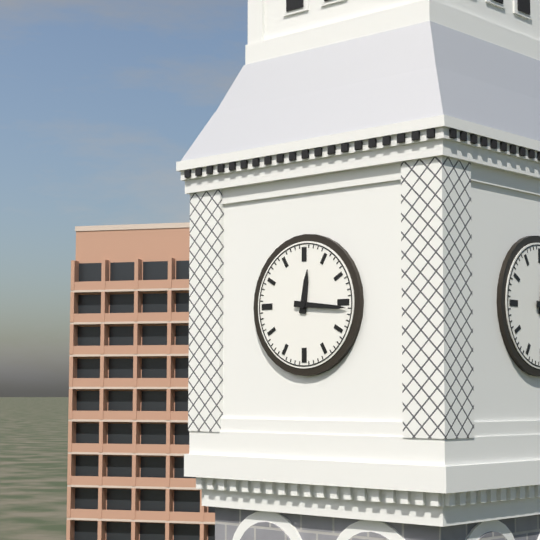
12:16
